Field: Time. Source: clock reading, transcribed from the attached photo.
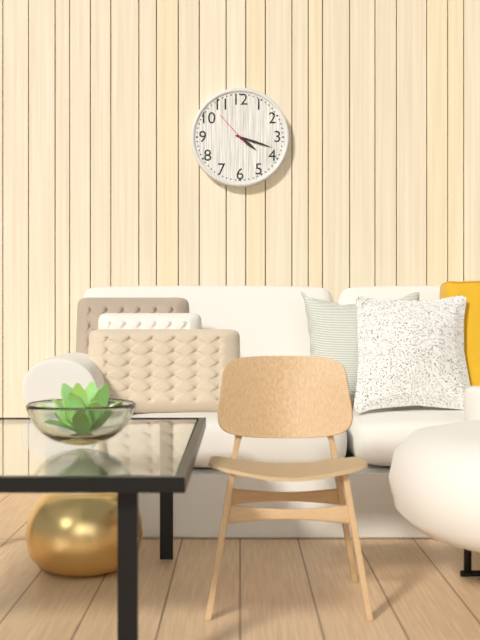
4:18
